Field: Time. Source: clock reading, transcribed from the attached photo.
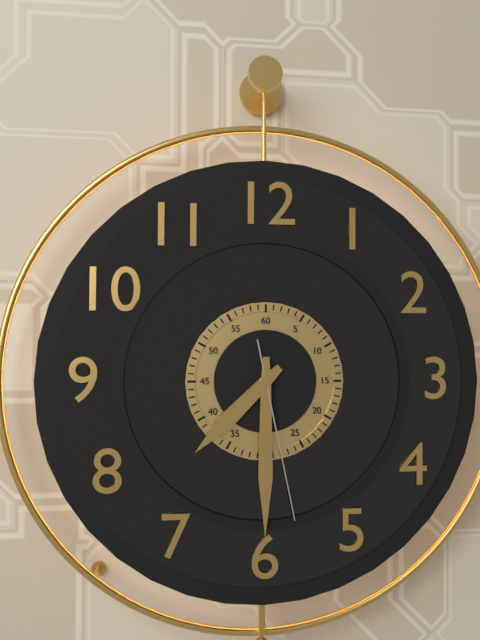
7:30:28
